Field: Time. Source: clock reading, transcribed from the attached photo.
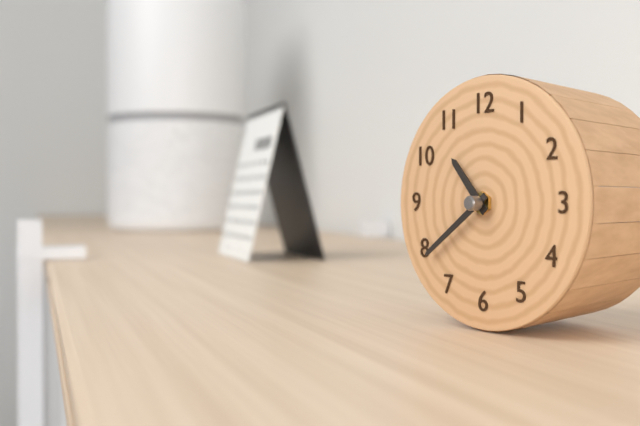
10:39
